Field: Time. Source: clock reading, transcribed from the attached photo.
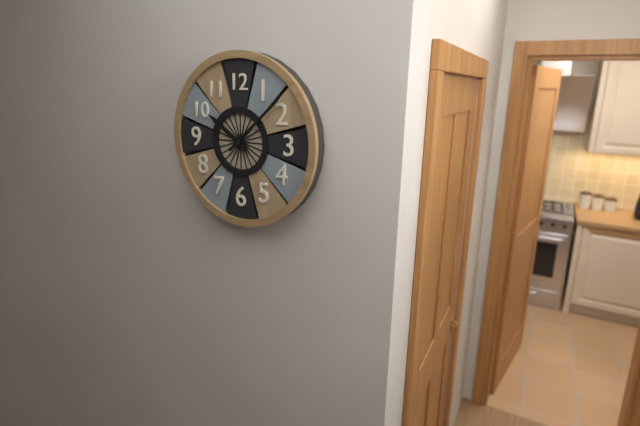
10:08
